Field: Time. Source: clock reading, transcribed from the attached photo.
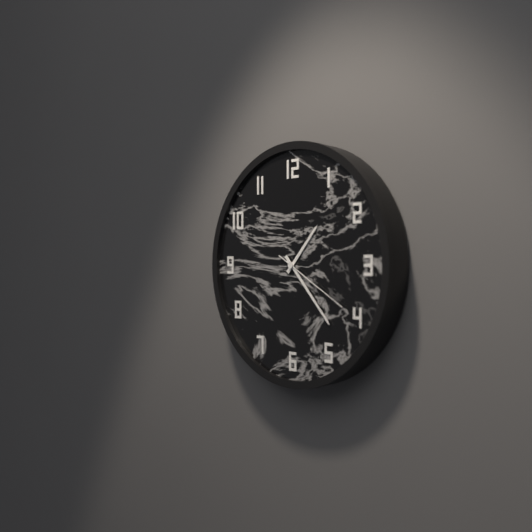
1:23:20
